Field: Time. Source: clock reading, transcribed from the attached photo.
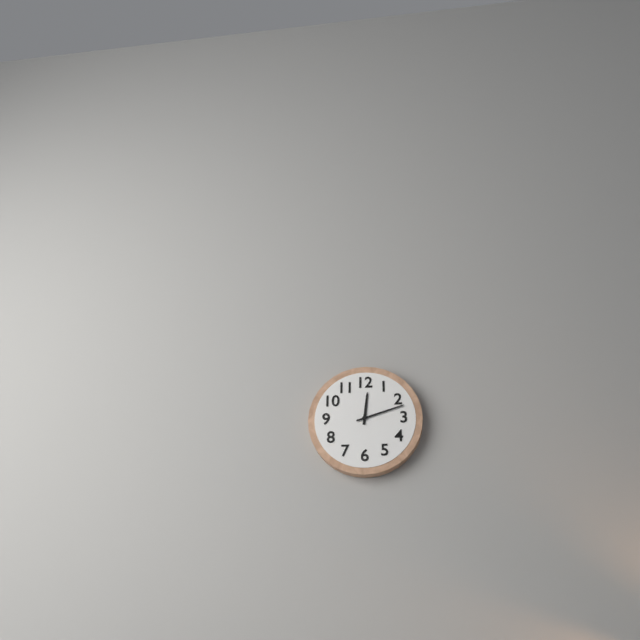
12:12
